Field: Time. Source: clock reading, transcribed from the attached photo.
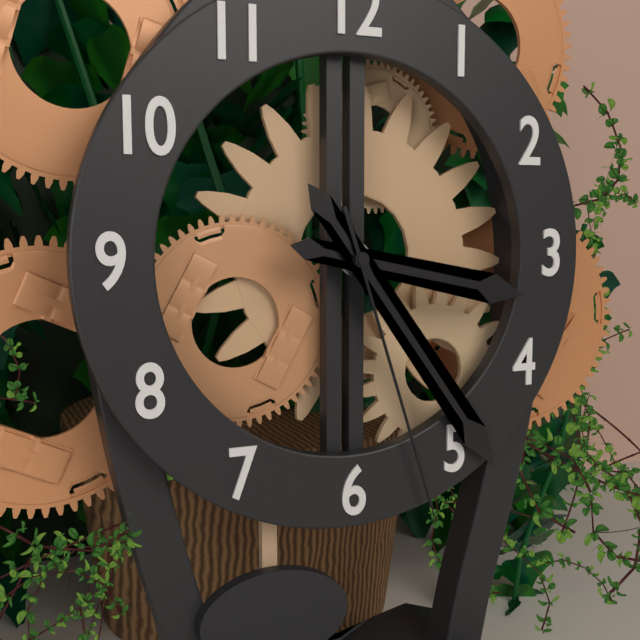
3:24:27
